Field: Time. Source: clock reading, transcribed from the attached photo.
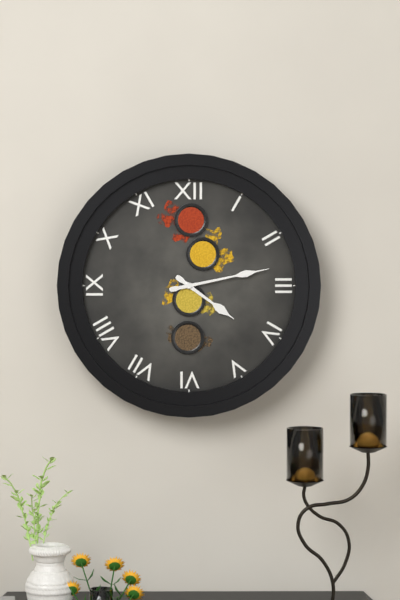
4:13
